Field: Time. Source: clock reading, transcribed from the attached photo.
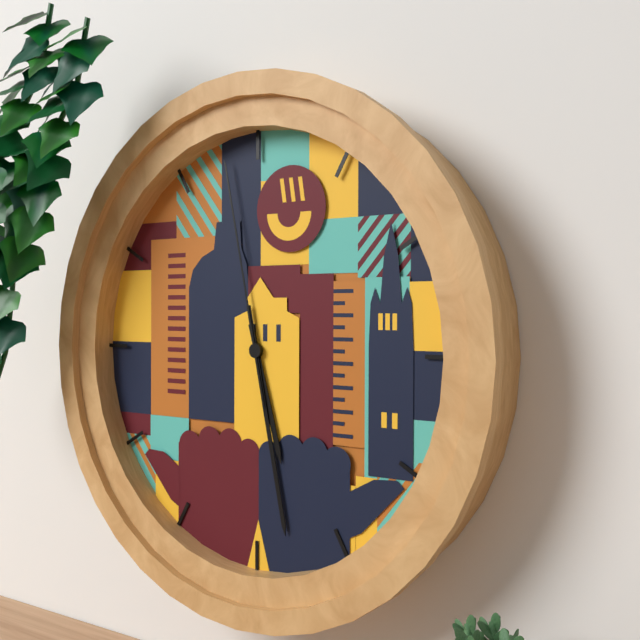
5:28:58
